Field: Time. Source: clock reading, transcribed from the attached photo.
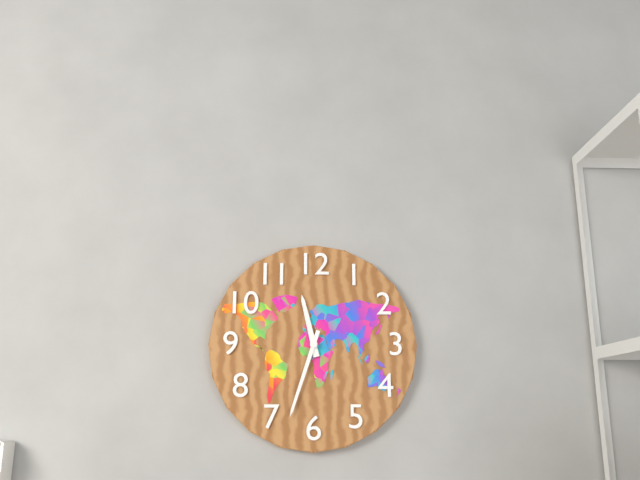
11:33
